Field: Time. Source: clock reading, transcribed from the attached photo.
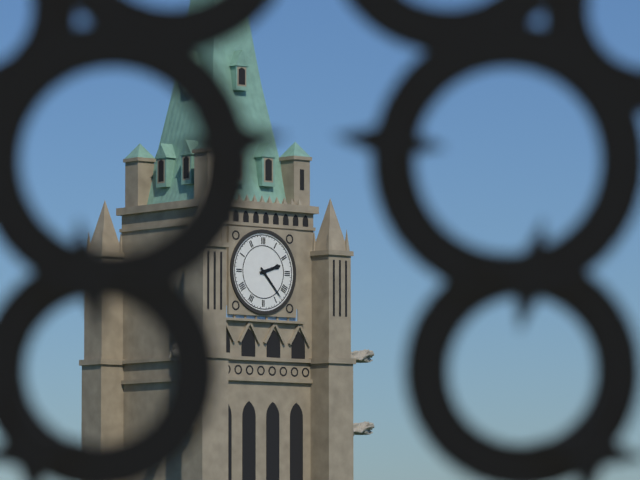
2:23
